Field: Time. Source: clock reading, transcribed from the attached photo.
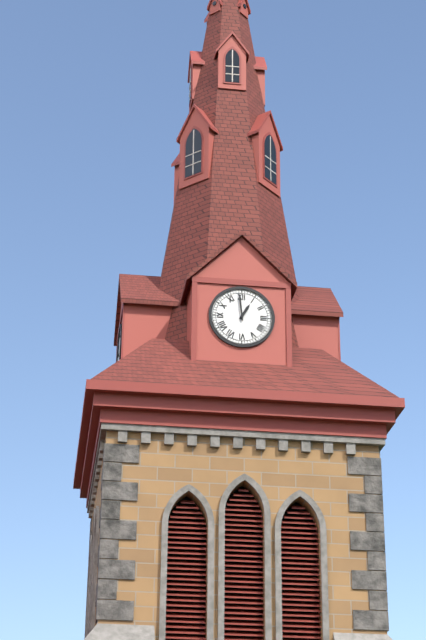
12:59
